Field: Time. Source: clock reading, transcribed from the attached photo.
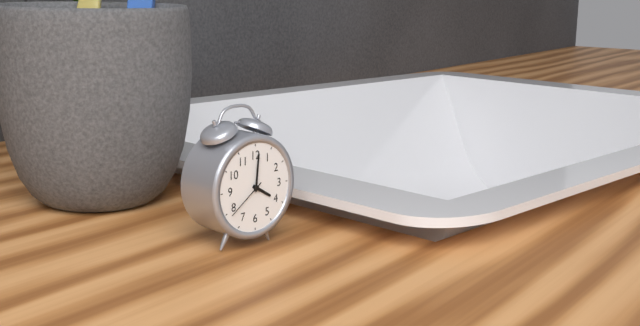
4:01
